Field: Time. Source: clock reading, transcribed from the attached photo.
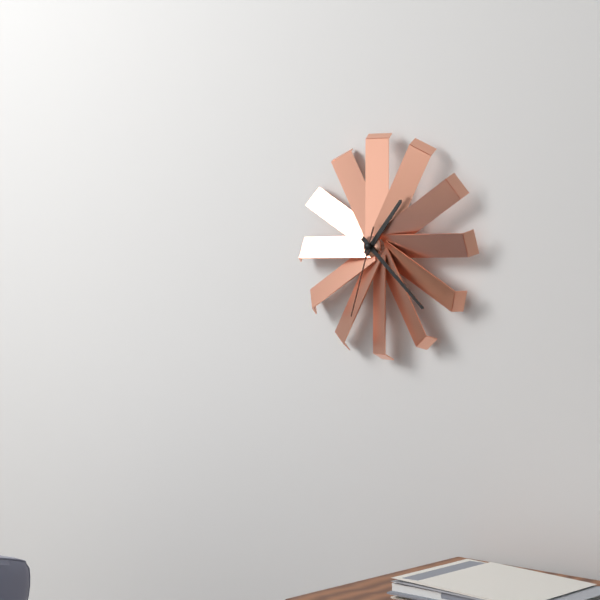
1:22:33
